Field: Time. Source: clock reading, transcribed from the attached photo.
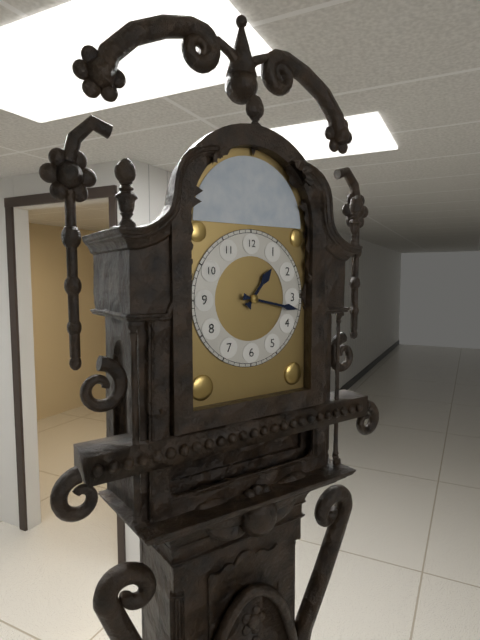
1:17
